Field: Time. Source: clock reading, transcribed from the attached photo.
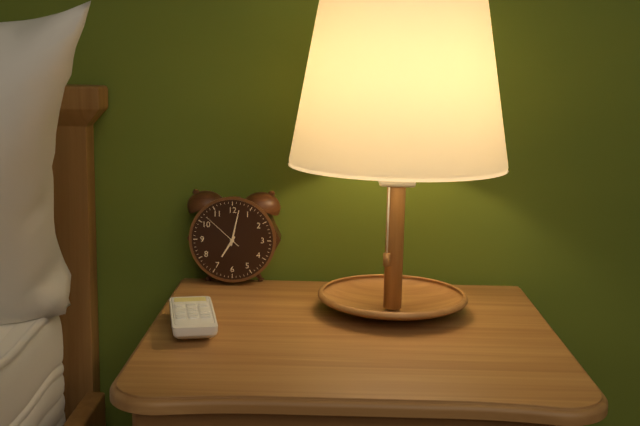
7:02
